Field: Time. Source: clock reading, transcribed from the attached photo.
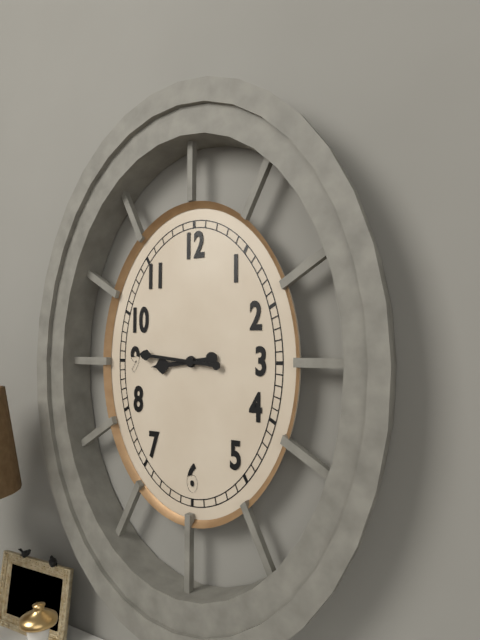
8:46
